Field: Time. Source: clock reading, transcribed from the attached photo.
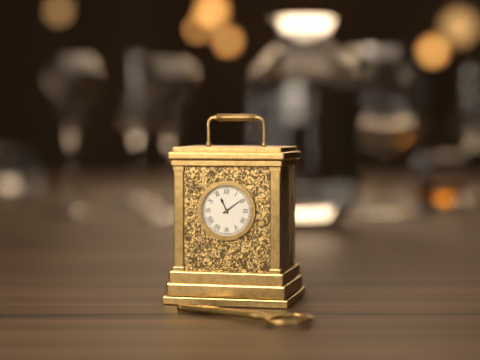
11:09
